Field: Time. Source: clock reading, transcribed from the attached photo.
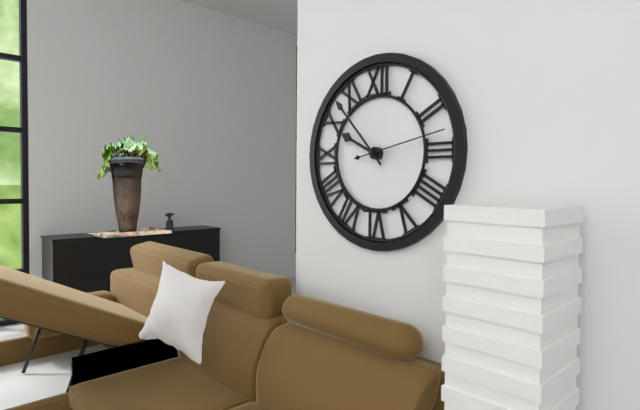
9:53:13
